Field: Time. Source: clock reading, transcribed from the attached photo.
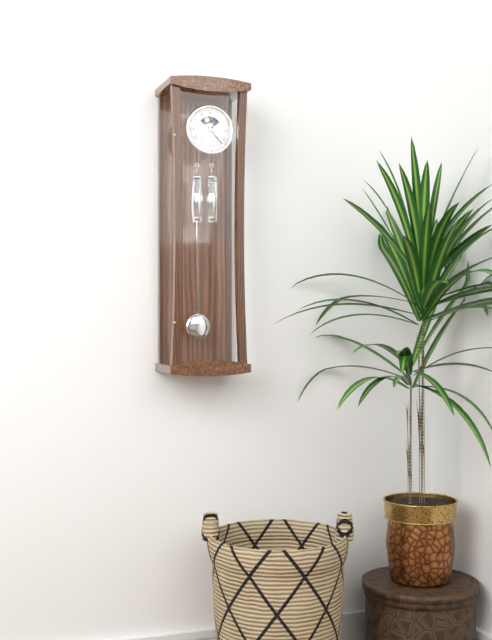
1:23
